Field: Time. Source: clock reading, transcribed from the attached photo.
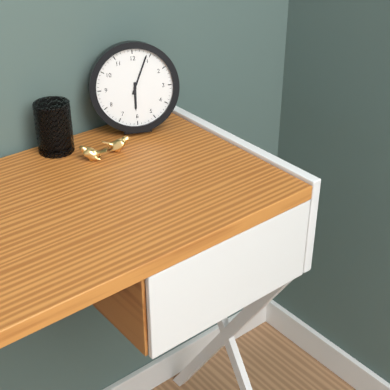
6:04
